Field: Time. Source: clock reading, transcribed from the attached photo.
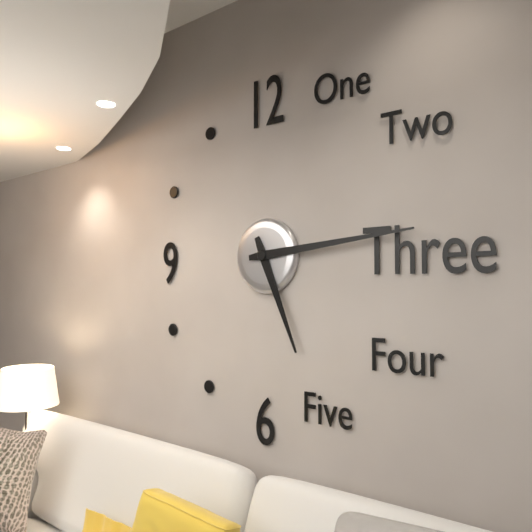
5:14
